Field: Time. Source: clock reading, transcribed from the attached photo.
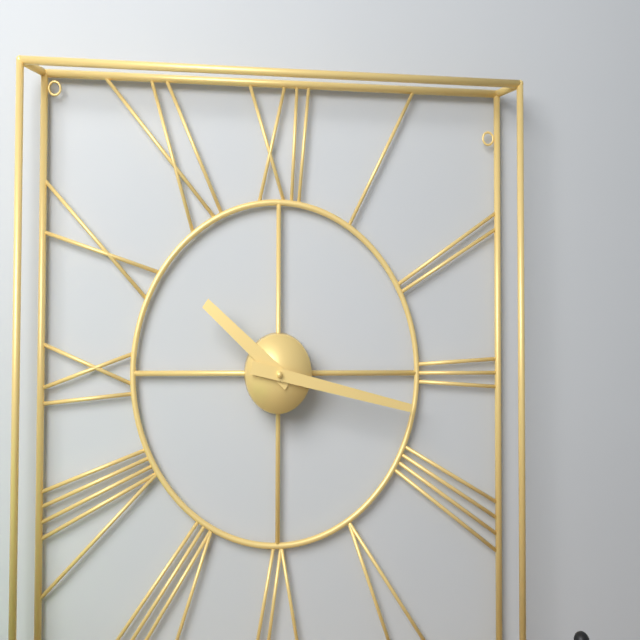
10:17
